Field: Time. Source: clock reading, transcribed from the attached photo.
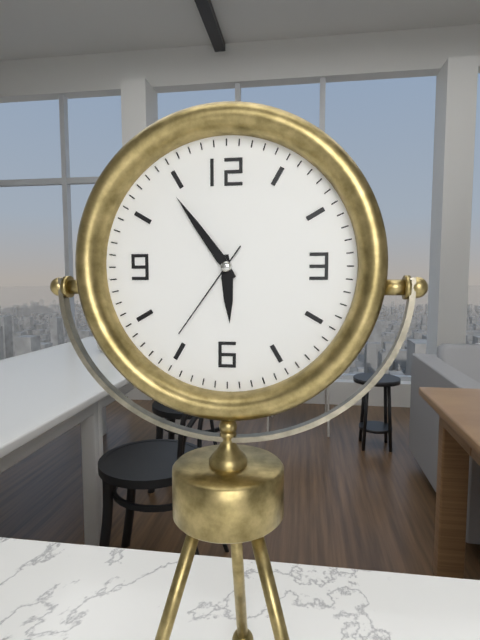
5:54:36
